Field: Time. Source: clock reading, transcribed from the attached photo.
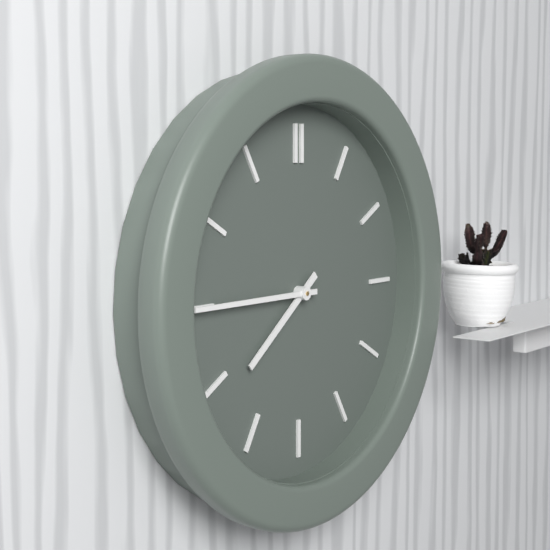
7:45
